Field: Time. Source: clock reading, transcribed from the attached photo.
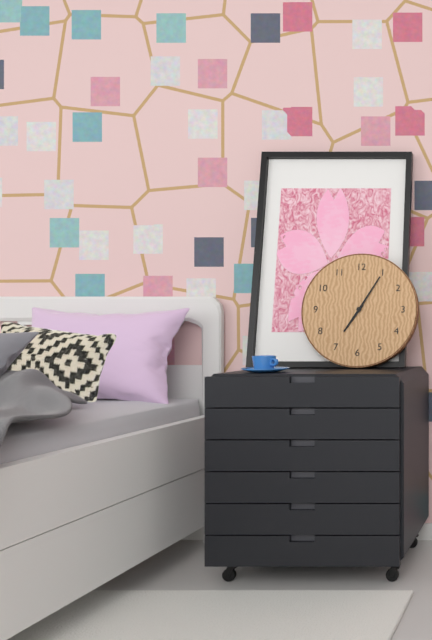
7:05
